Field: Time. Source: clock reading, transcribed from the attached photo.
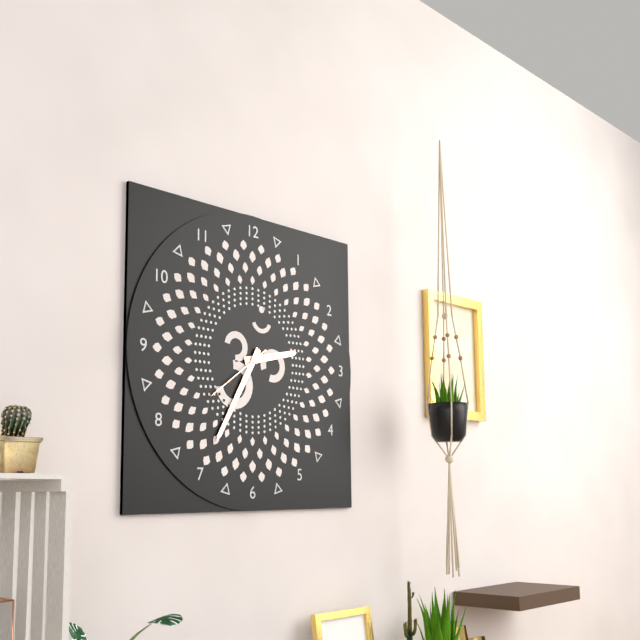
2:35:39
